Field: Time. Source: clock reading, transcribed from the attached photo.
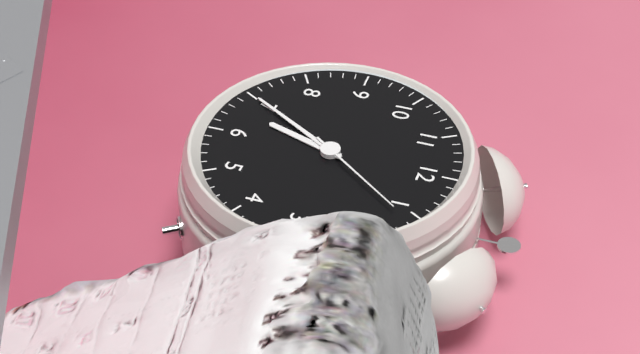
6:35:06
